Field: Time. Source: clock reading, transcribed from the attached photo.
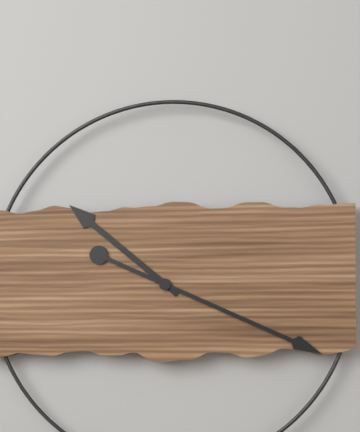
10:19
